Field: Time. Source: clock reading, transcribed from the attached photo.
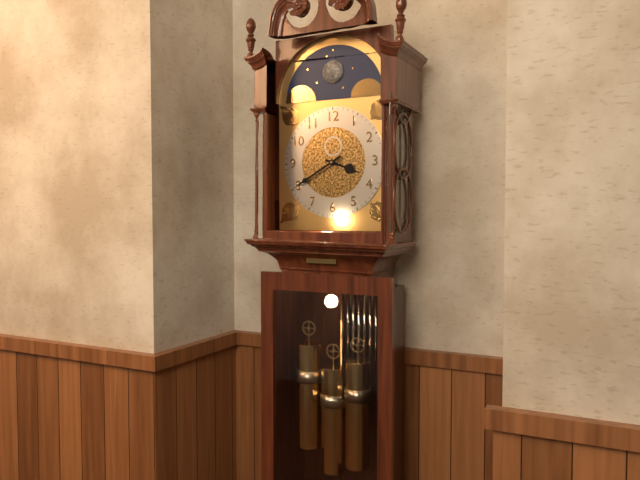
3:40
